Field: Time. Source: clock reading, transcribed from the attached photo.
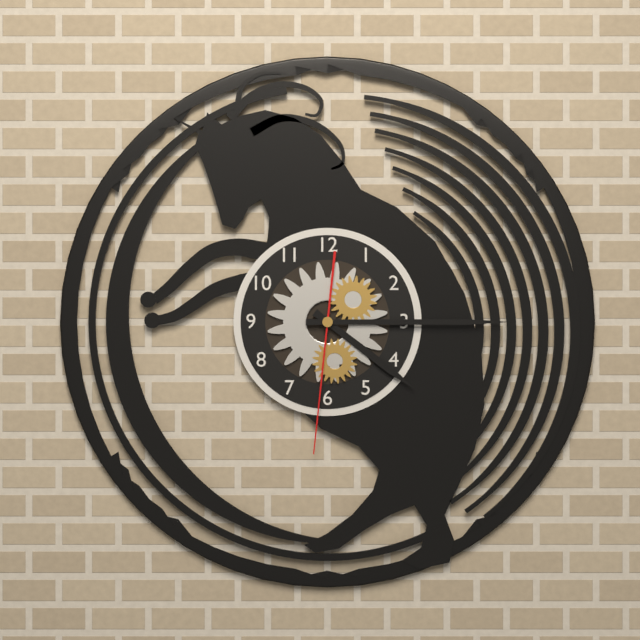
4:15:31
